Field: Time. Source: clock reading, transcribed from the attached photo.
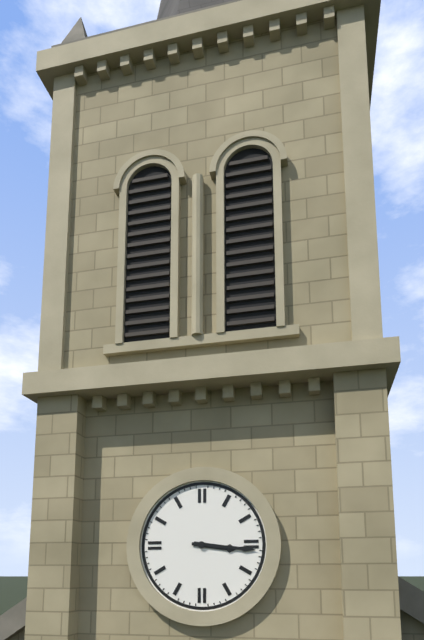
3:16
